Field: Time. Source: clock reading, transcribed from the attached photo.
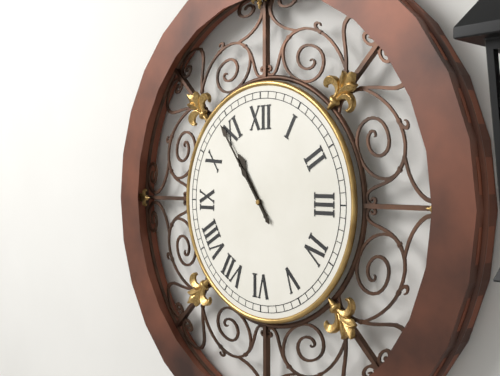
10:54
